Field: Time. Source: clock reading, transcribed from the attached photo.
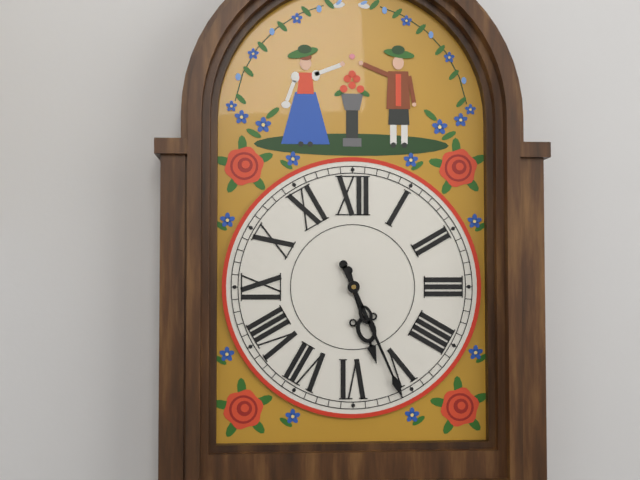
5:26
